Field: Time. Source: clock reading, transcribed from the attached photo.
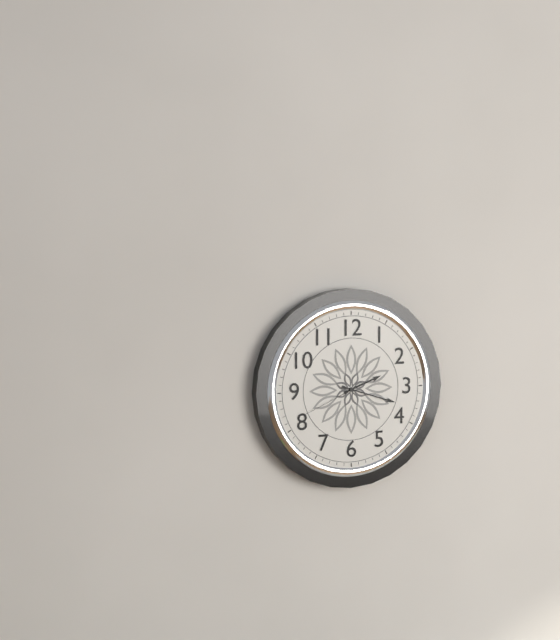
2:18:41
